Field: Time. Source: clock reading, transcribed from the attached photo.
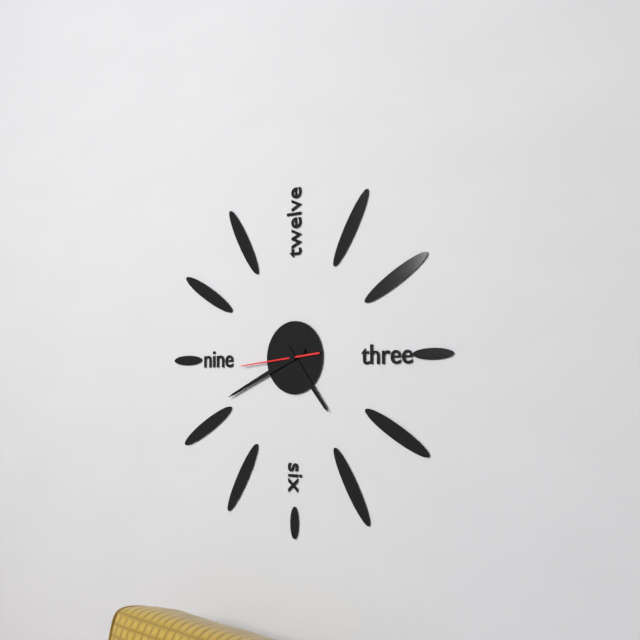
4:41:44
